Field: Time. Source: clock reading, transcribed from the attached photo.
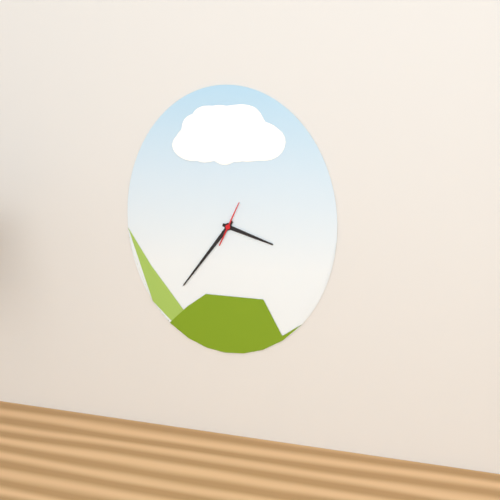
3:36
